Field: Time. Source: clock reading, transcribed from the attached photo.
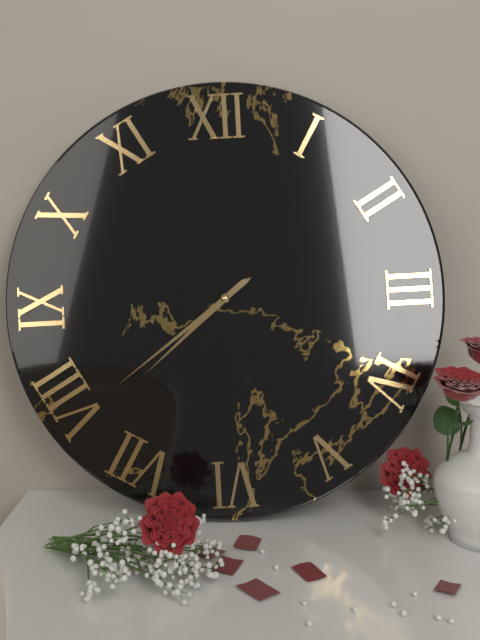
7:39
